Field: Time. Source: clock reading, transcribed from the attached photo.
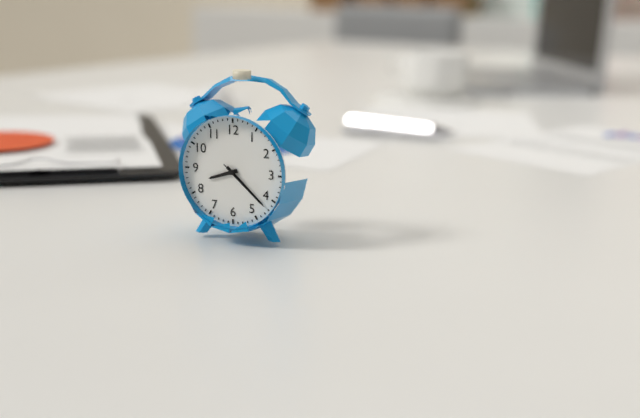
8:22:22
